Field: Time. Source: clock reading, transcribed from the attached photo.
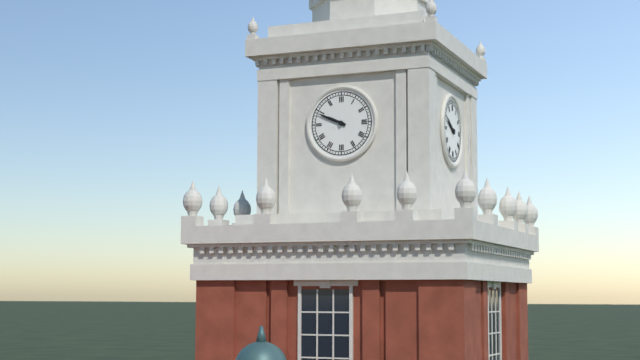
9:49
